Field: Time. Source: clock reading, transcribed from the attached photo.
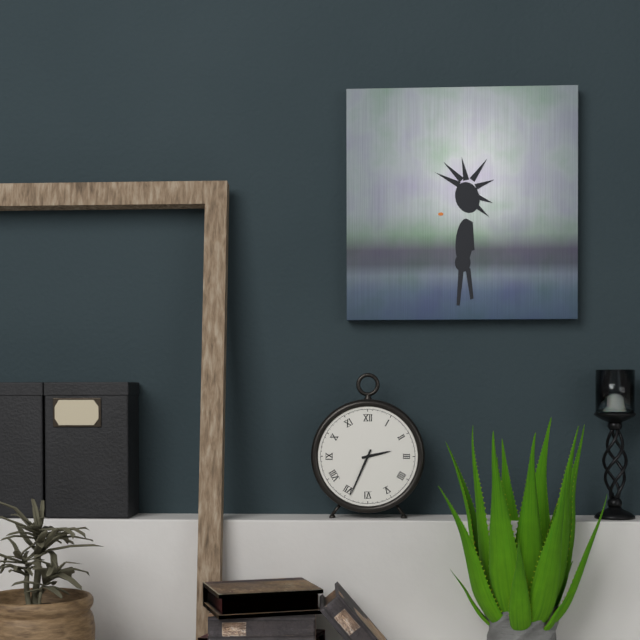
2:34
